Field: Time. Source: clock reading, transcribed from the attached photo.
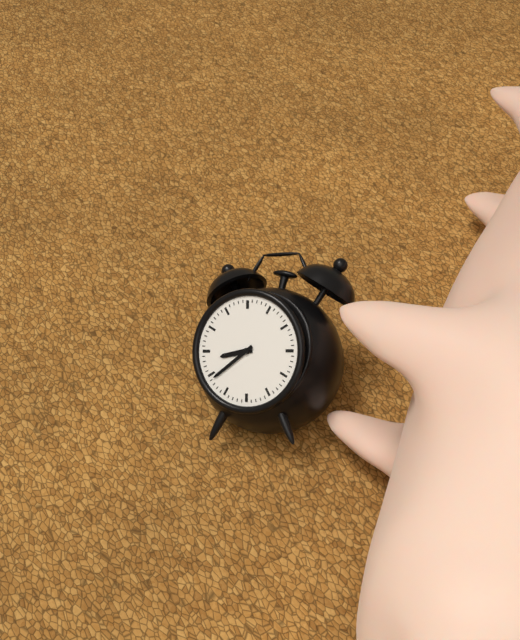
8:39
